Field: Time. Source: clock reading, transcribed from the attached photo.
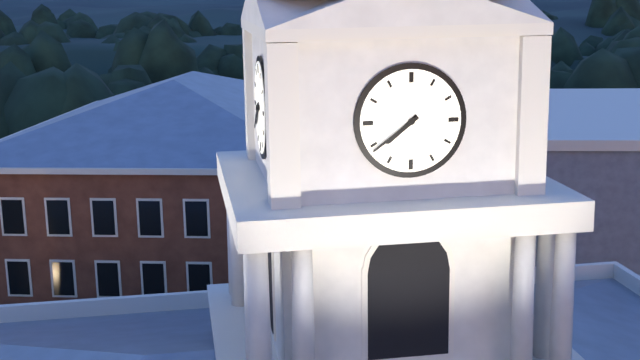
7:39
